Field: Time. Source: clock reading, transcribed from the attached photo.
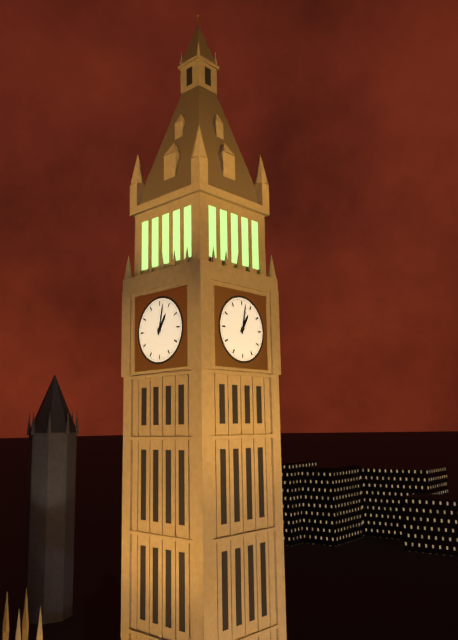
1:02
